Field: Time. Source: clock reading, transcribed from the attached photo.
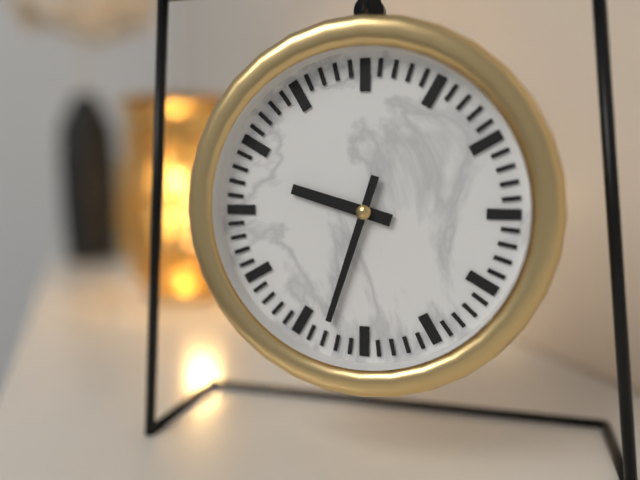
9:33
